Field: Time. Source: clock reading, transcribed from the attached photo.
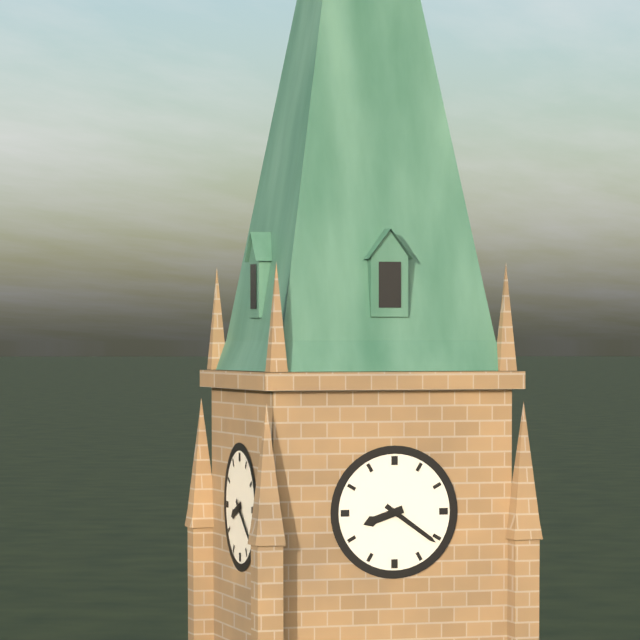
8:21
